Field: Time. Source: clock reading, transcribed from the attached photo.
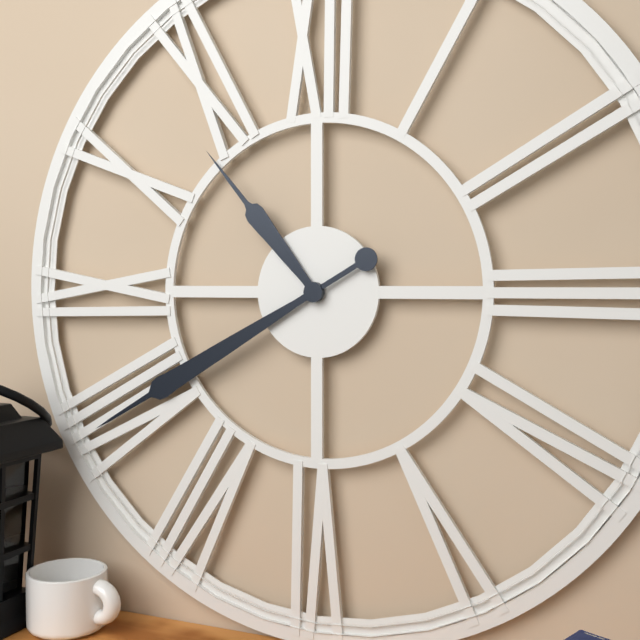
10:40
